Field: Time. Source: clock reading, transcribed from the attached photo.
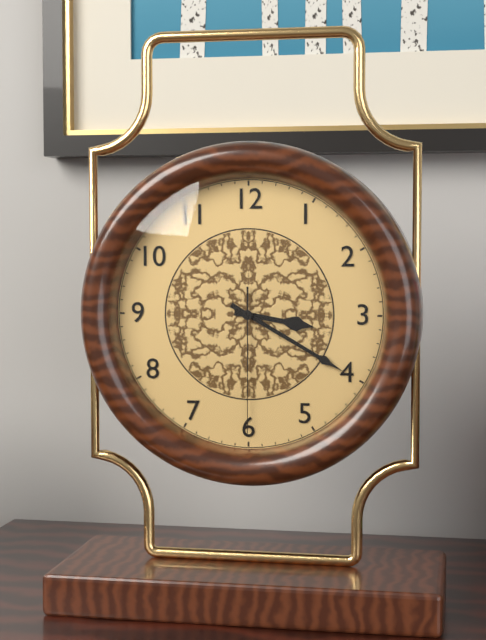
3:20:30
